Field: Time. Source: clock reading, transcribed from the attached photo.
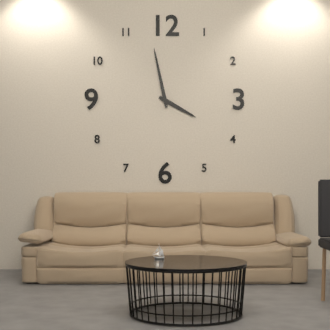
3:58
